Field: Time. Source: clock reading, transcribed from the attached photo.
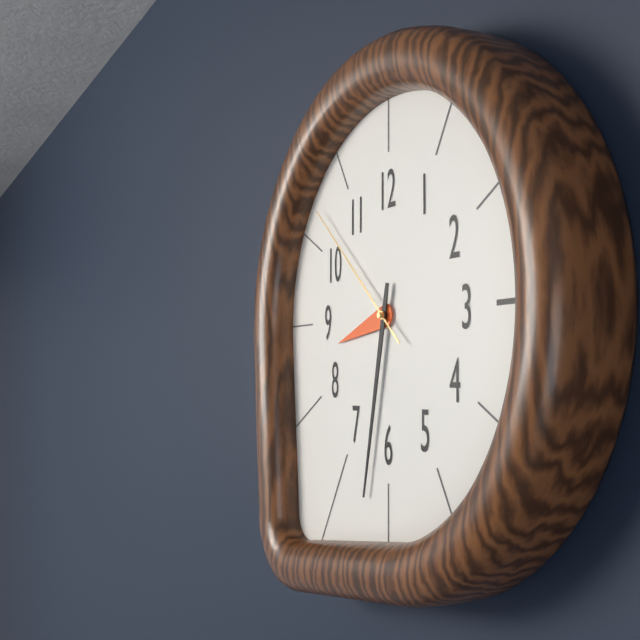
8:32:52
